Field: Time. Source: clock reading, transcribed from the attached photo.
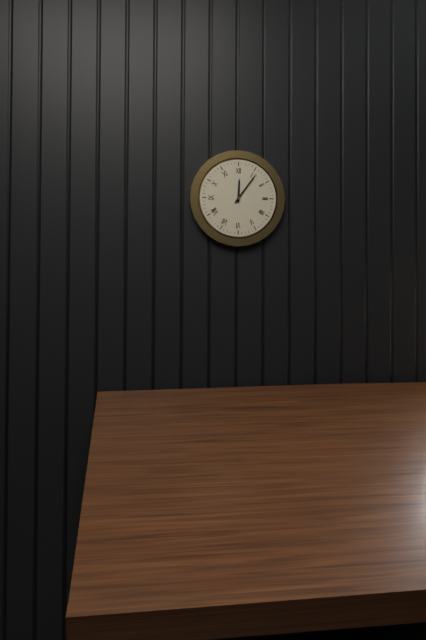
12:06
